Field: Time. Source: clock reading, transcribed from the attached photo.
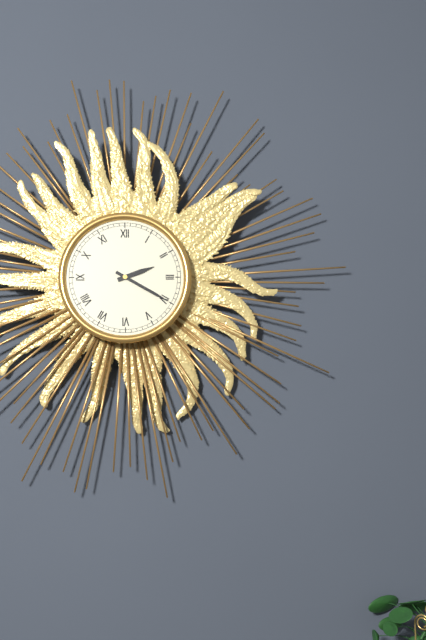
2:20
